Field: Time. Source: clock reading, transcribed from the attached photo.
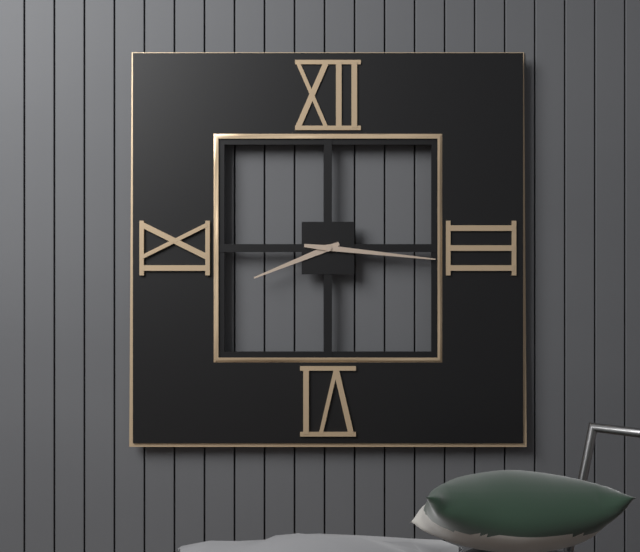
8:16
